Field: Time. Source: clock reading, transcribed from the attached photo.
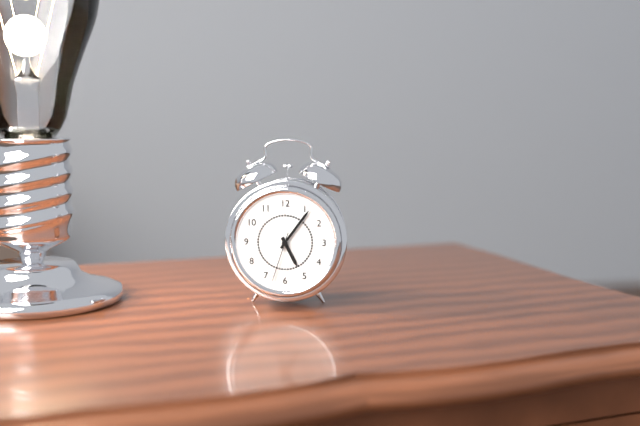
5:06:33
